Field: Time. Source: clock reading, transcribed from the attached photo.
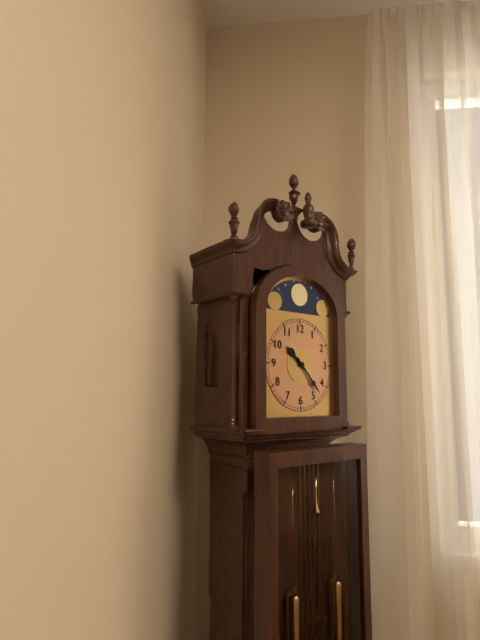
10:23
